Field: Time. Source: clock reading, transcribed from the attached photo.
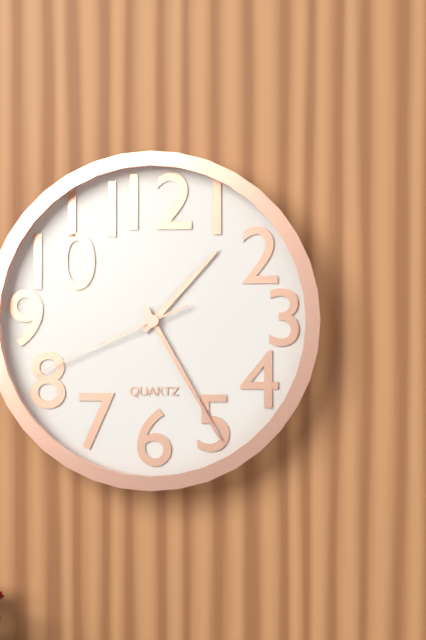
1:25:41
